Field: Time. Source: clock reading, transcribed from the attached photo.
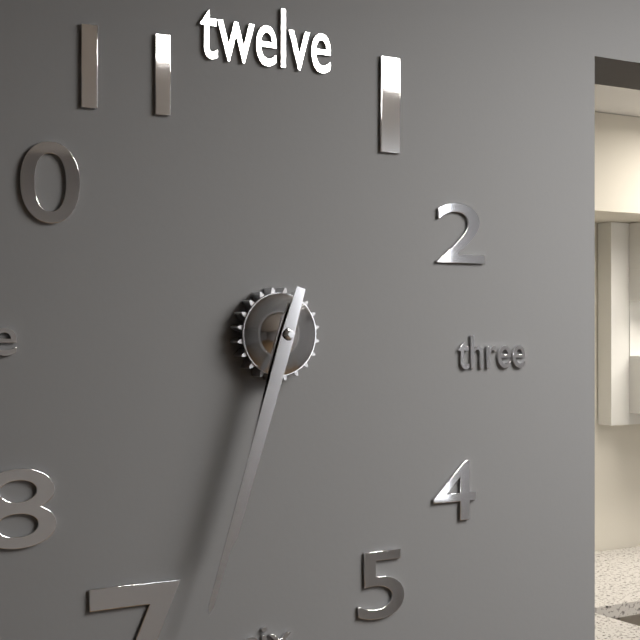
6:33
